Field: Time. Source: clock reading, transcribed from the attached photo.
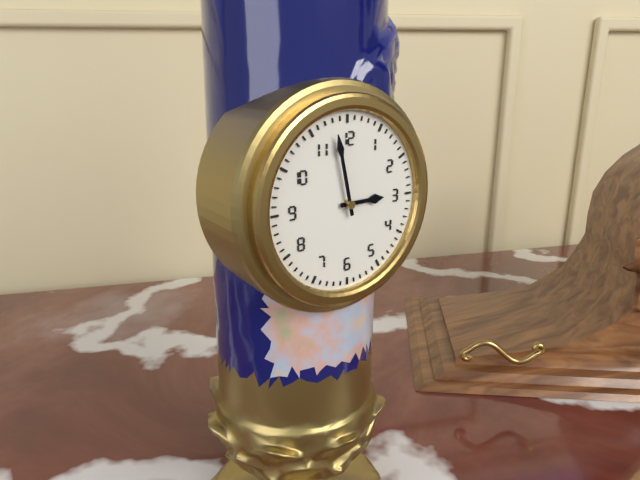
2:58
